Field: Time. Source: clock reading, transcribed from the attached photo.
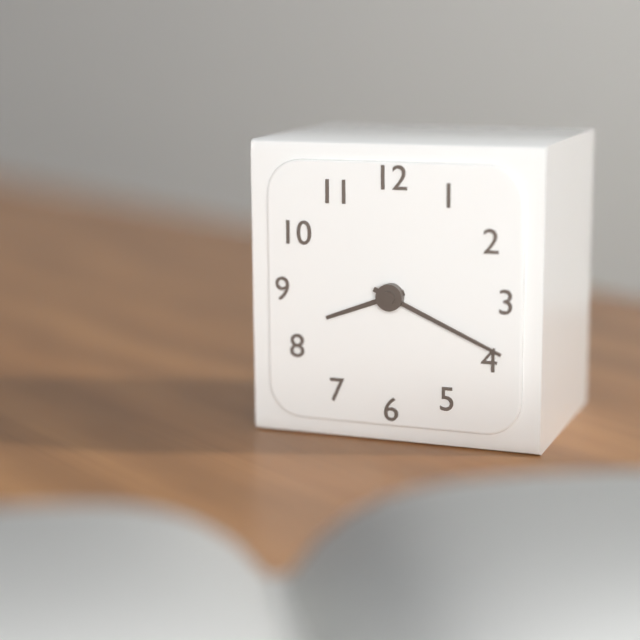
8:19
